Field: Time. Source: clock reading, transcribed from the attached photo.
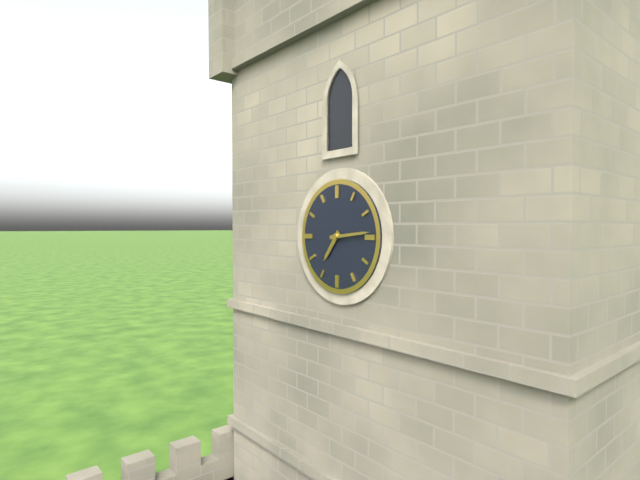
7:14
